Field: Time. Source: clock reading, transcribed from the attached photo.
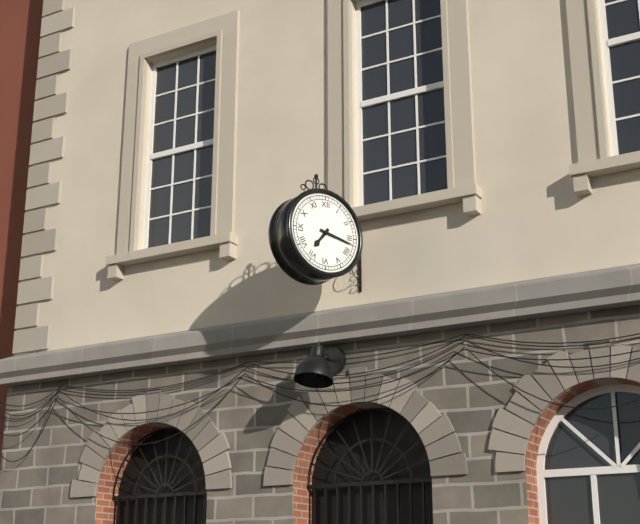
7:17
